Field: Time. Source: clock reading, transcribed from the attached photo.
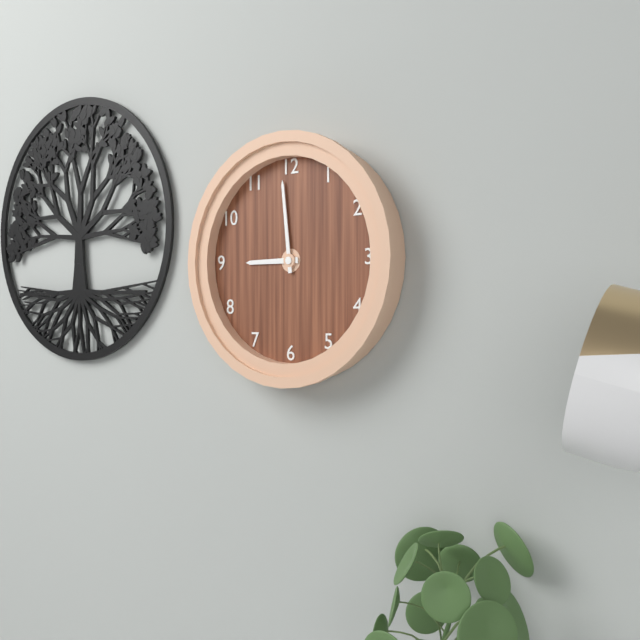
8:59
